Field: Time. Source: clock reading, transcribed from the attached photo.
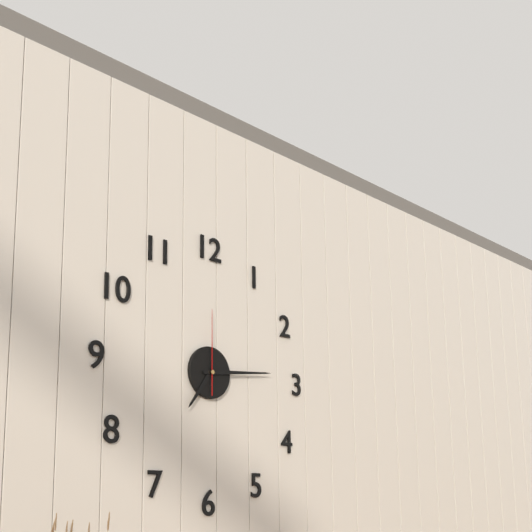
7:14:00
